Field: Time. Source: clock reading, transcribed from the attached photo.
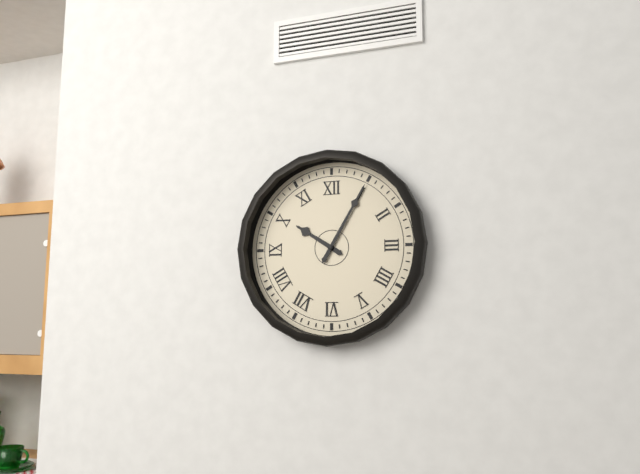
10:05
